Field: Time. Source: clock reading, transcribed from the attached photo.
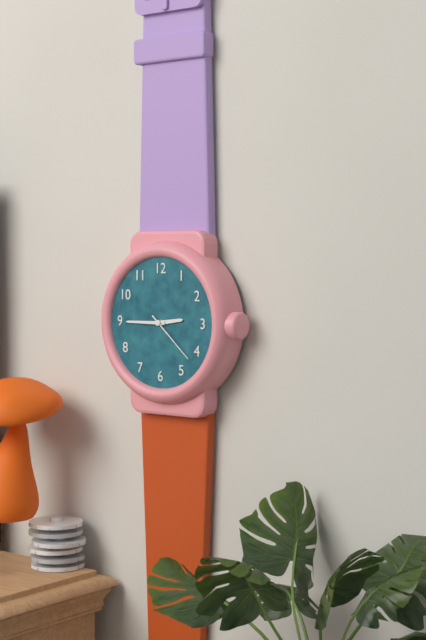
2:45:22
